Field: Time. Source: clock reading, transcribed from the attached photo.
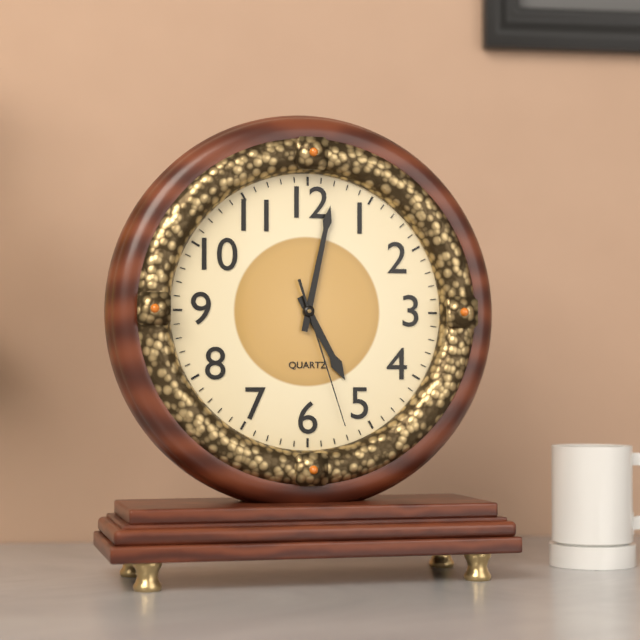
5:02:27
